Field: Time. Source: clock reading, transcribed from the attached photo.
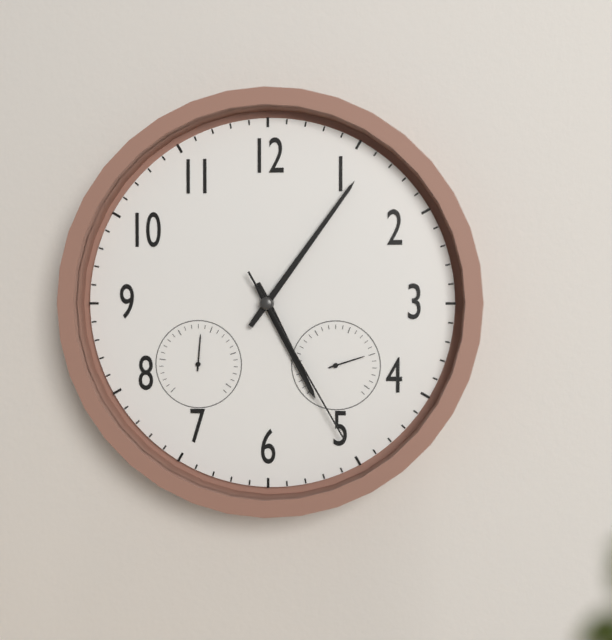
5:06:25
